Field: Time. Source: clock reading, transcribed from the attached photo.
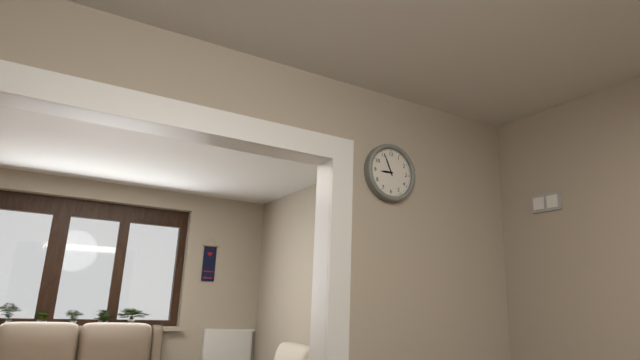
8:56
